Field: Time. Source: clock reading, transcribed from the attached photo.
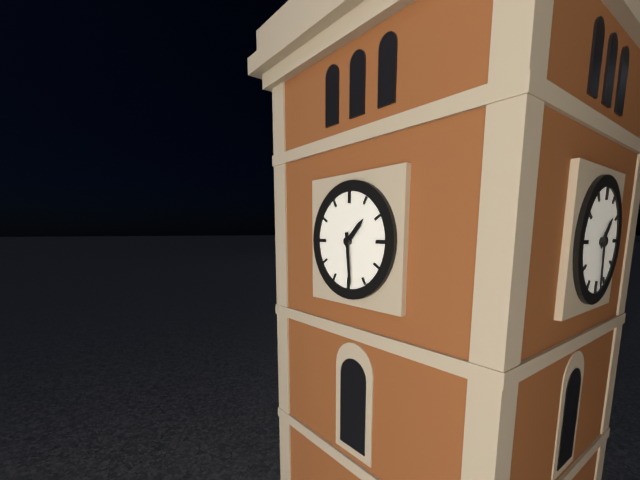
1:29
